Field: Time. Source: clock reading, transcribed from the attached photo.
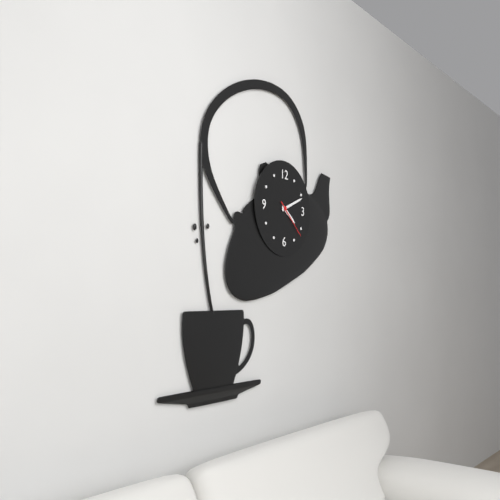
4:11
